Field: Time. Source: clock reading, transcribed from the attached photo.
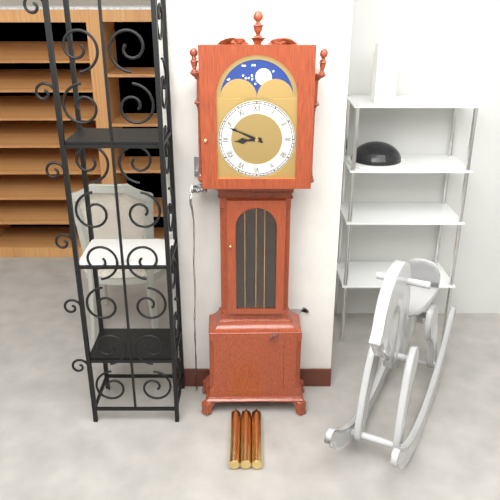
8:49
